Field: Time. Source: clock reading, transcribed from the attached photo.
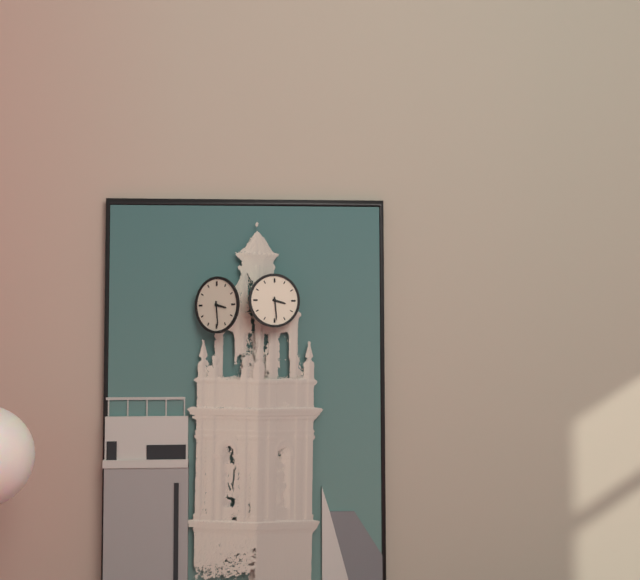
3:29
